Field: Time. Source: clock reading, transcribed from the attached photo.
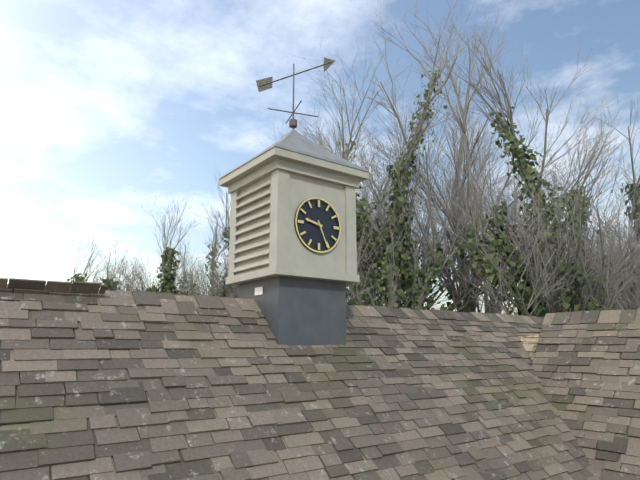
9:26
